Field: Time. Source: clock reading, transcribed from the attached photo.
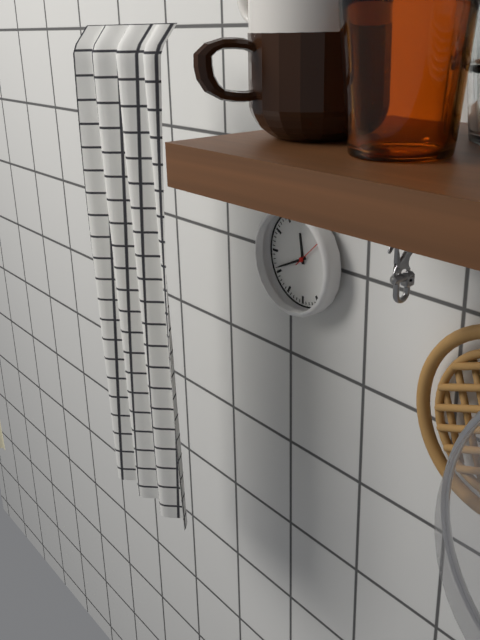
11:41
